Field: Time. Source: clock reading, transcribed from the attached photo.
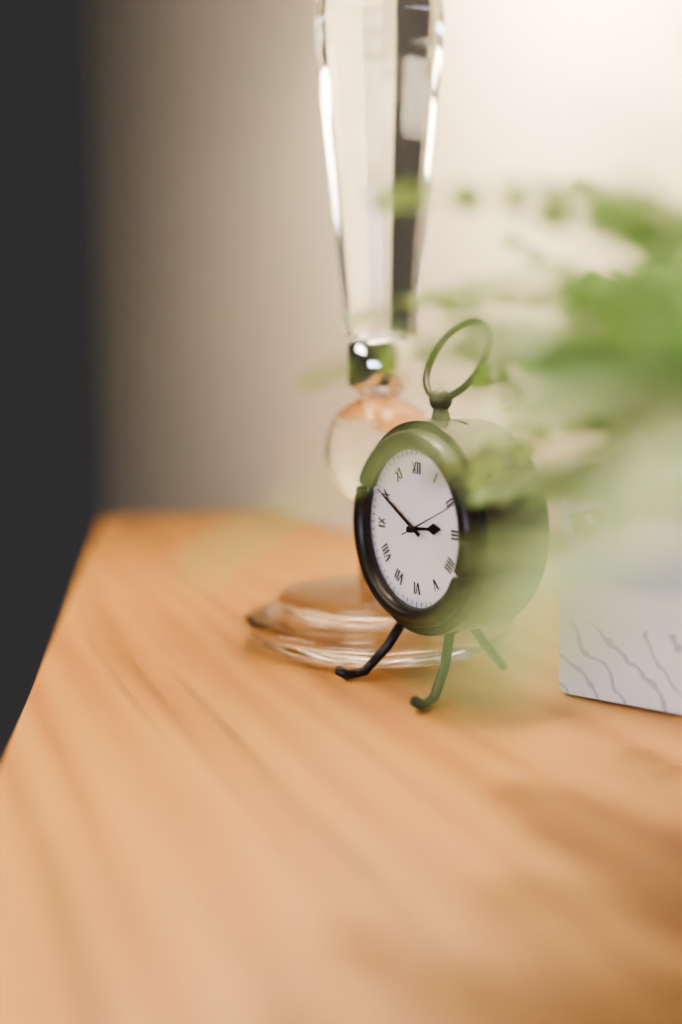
2:50:11
